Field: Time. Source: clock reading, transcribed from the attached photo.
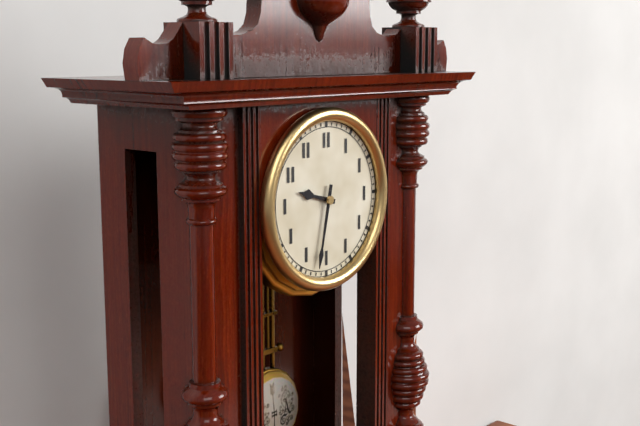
9:32
